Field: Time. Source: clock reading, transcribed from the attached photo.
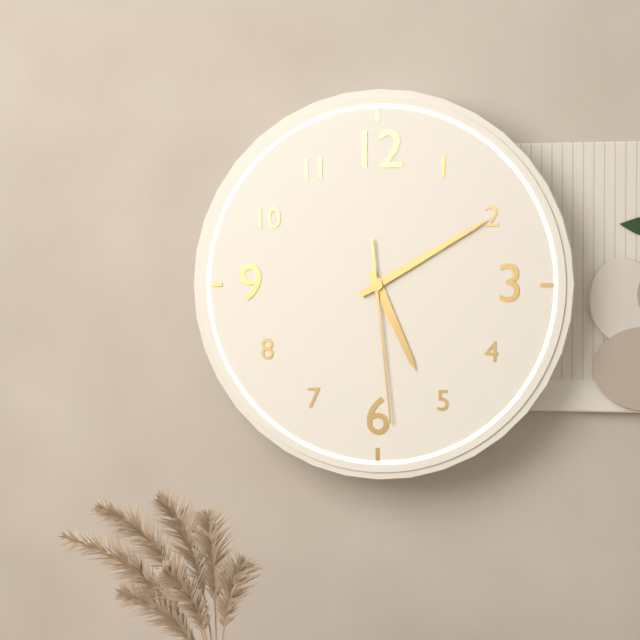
5:10:29
